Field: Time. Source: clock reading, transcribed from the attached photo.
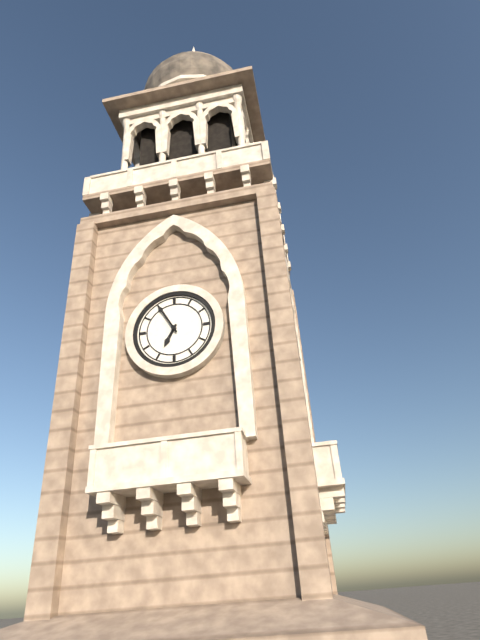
6:55
